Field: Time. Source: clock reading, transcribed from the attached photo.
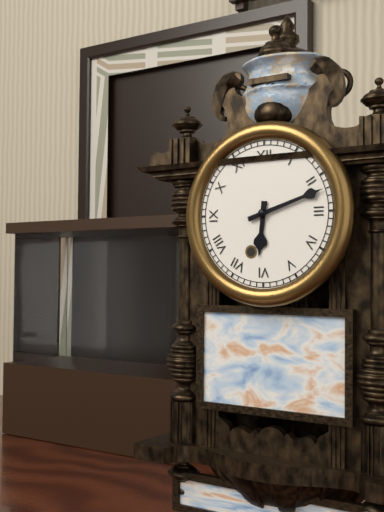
6:12
